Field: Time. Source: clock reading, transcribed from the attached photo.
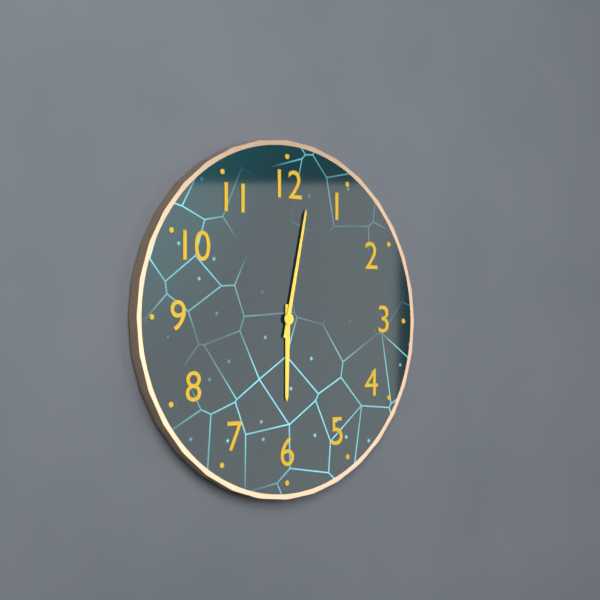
6:02
